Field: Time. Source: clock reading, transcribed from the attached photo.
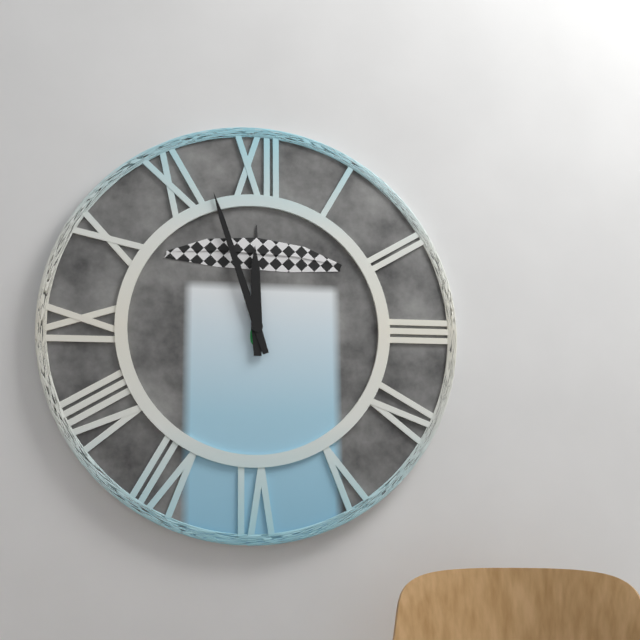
11:57
